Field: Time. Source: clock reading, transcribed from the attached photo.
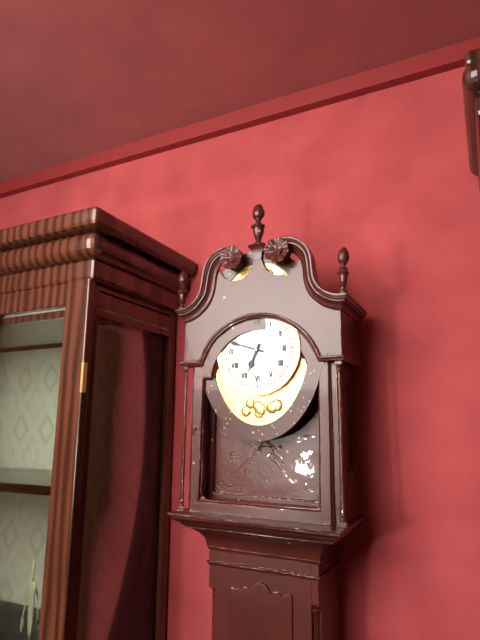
6:48
